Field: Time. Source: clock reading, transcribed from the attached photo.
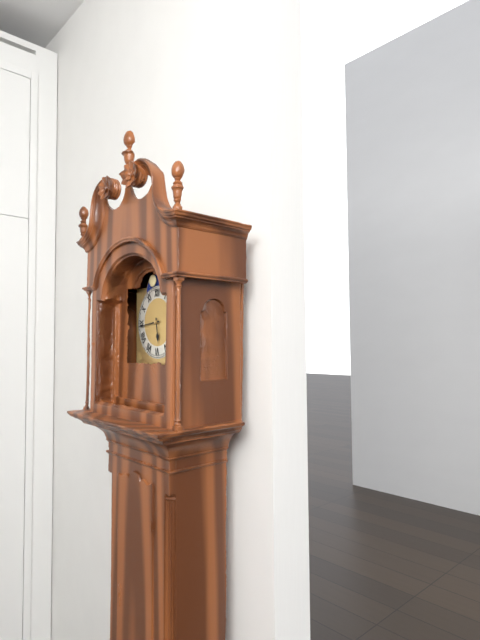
5:44
